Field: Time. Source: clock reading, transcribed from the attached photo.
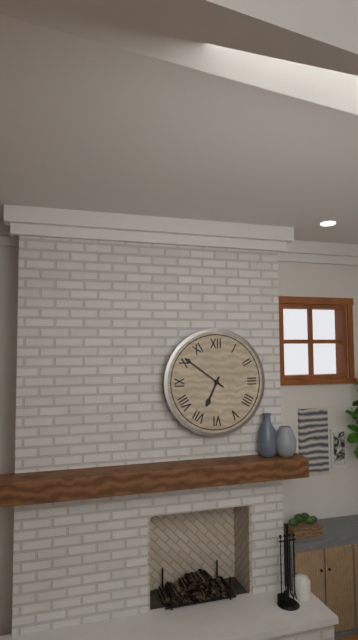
6:51
